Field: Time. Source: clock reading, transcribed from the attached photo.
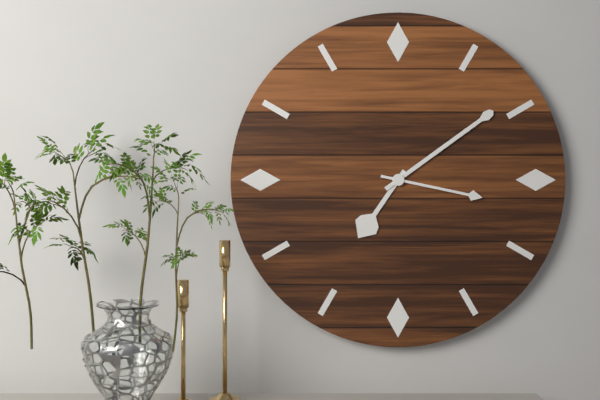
7:09:17
